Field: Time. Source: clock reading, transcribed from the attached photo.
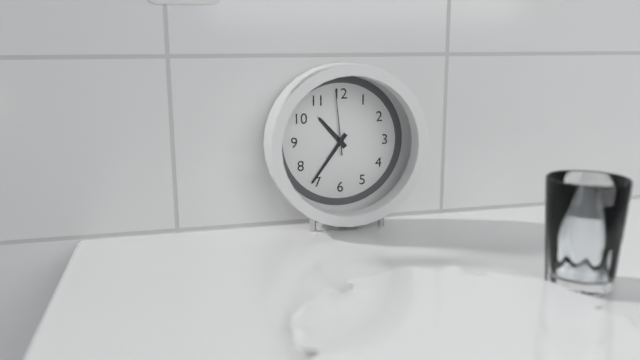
10:36:59
